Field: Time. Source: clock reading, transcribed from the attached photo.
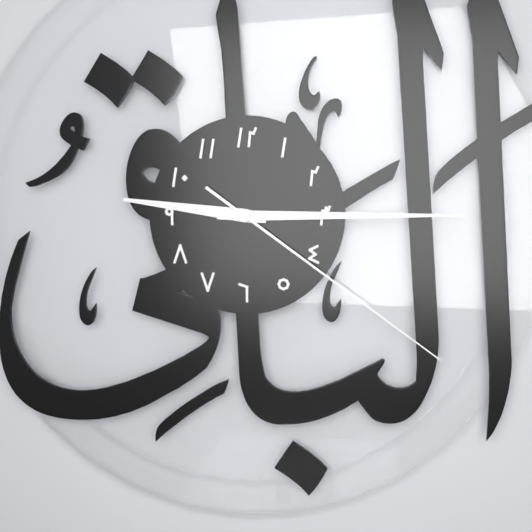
9:15:21
